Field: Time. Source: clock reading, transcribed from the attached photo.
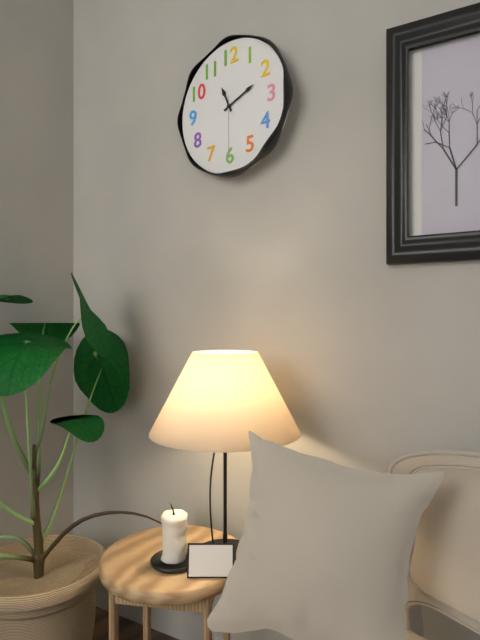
11:11:30
